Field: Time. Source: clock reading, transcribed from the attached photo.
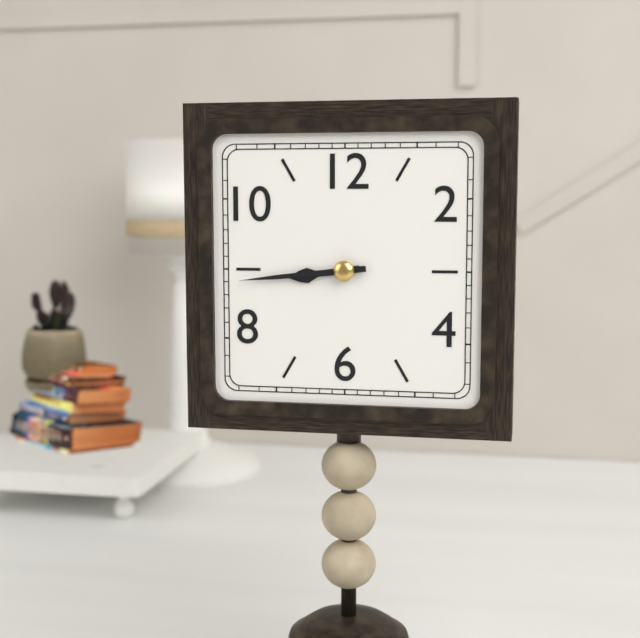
8:44
